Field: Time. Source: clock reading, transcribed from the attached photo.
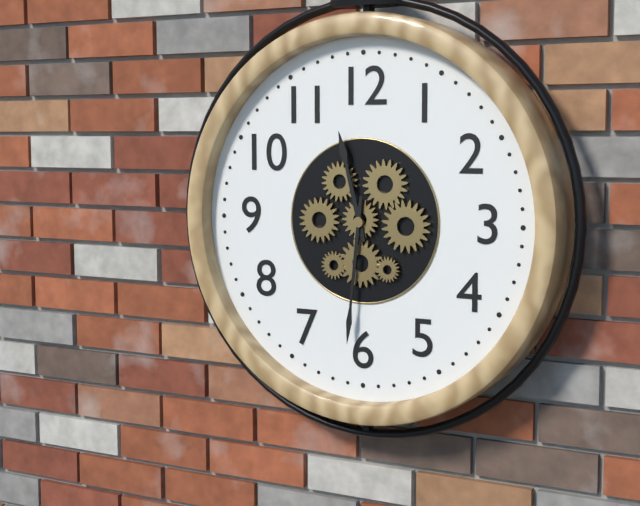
11:31
